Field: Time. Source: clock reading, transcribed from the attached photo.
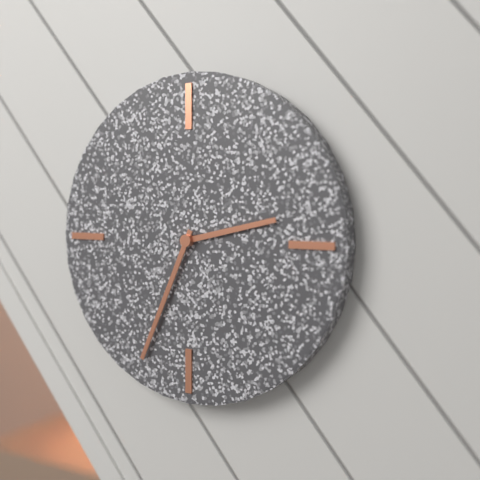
2:34
